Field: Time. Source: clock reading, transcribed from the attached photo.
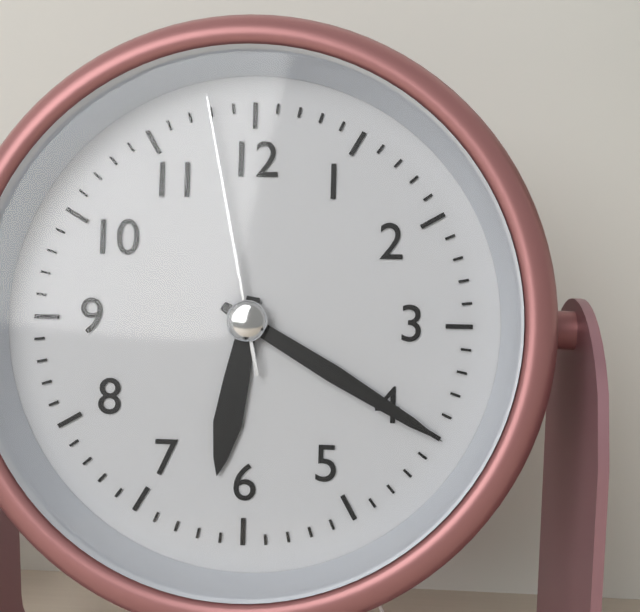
6:20:58
